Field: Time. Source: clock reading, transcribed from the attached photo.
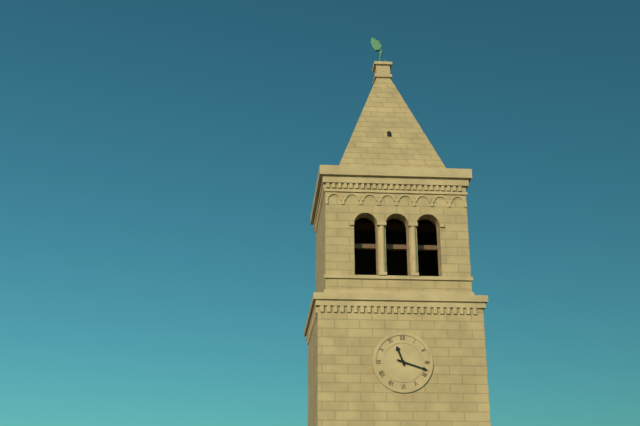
11:18
